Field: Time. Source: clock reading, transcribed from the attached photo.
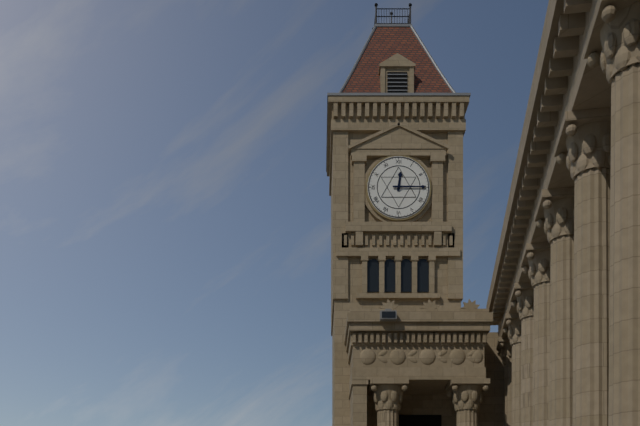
12:15
